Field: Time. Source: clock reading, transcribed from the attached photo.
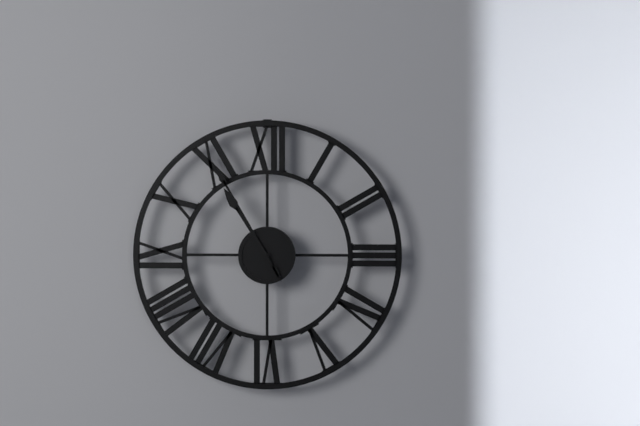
10:55
